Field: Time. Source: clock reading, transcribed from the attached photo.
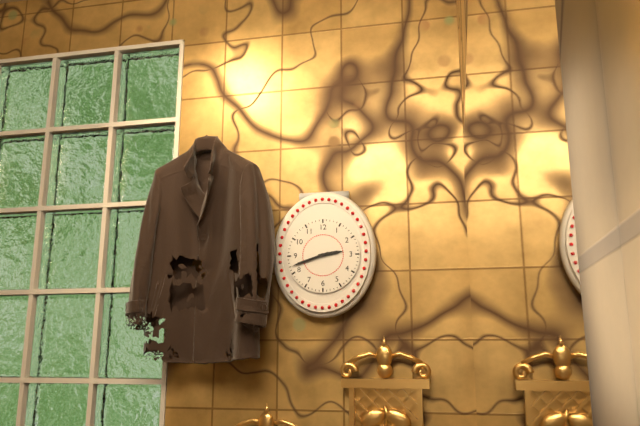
2:42
